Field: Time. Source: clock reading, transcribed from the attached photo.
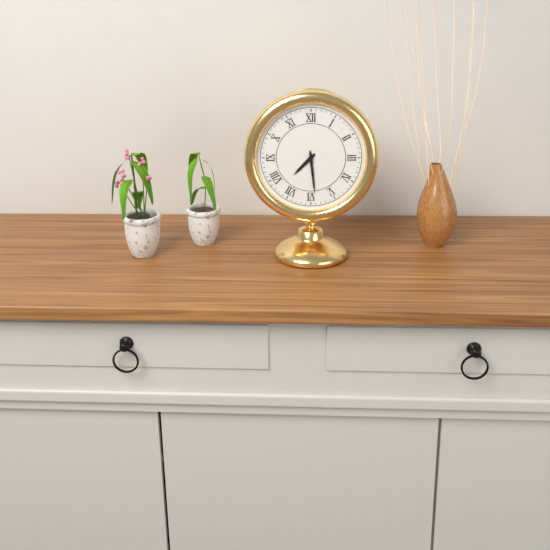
7:29
